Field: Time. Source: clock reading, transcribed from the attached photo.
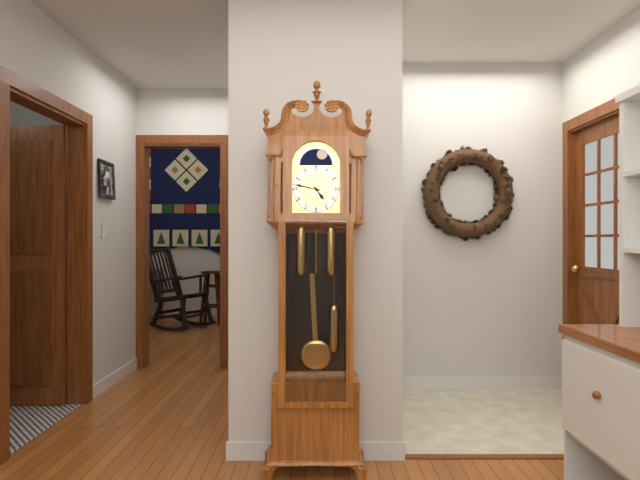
4:47
